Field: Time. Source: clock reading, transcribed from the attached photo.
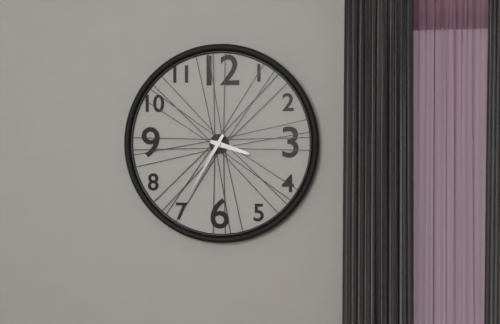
3:35
